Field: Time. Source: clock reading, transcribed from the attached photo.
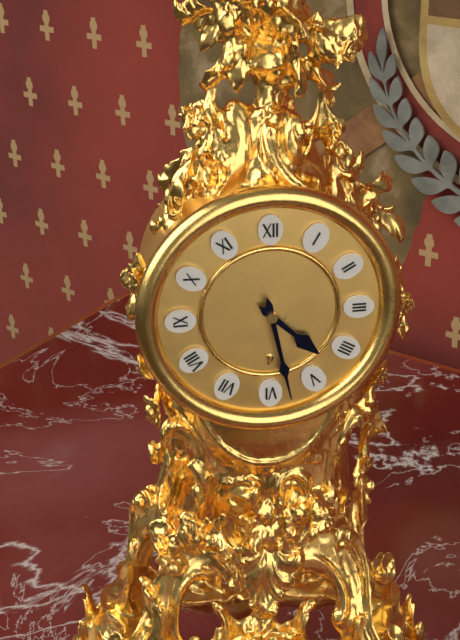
4:28
